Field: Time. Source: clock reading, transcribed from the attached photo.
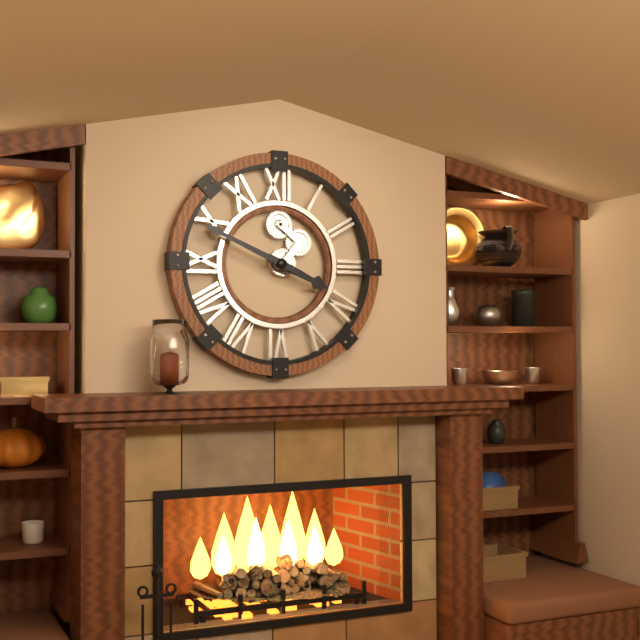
3:49
